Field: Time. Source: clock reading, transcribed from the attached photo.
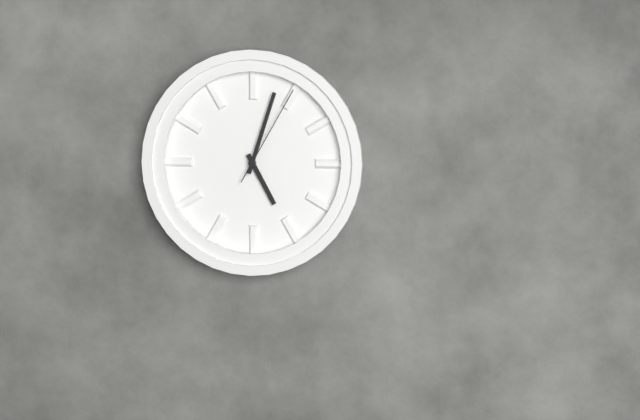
5:03:05
